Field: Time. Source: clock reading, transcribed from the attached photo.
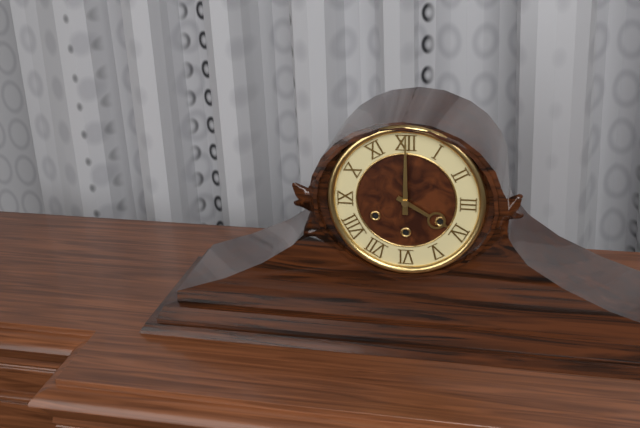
4:00
